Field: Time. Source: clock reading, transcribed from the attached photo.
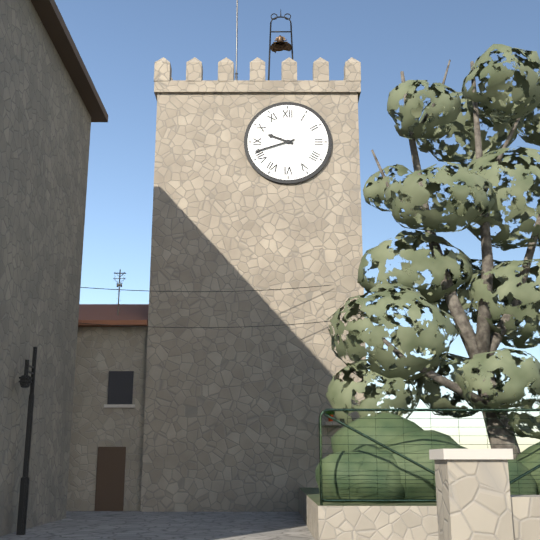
9:42
